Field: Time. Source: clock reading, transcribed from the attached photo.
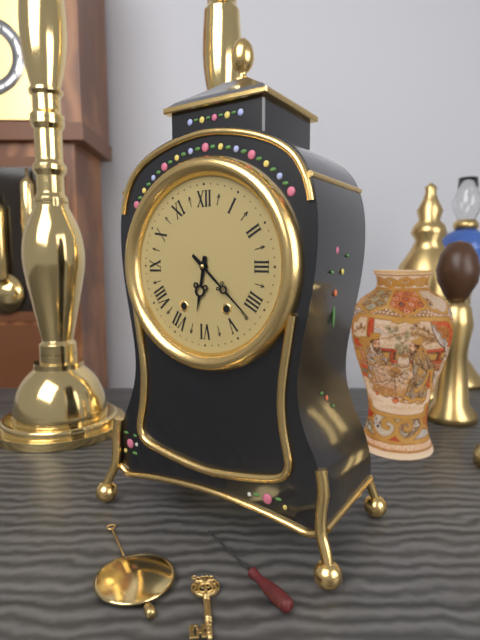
6:22
